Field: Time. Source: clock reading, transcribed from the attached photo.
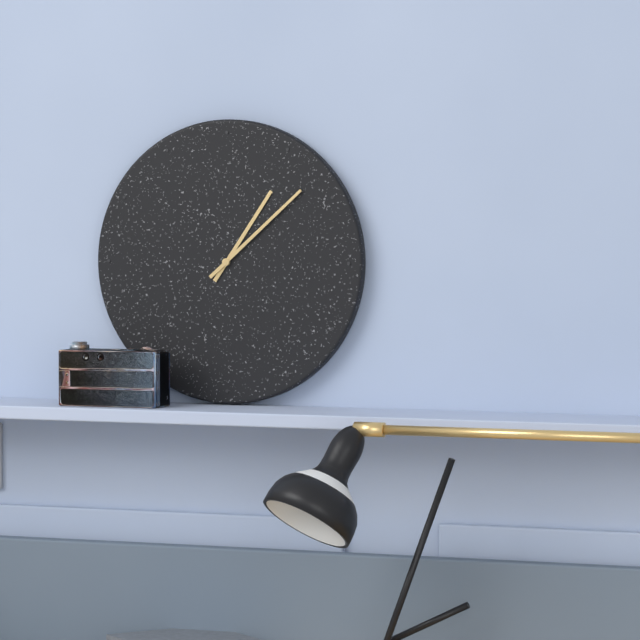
1:08
